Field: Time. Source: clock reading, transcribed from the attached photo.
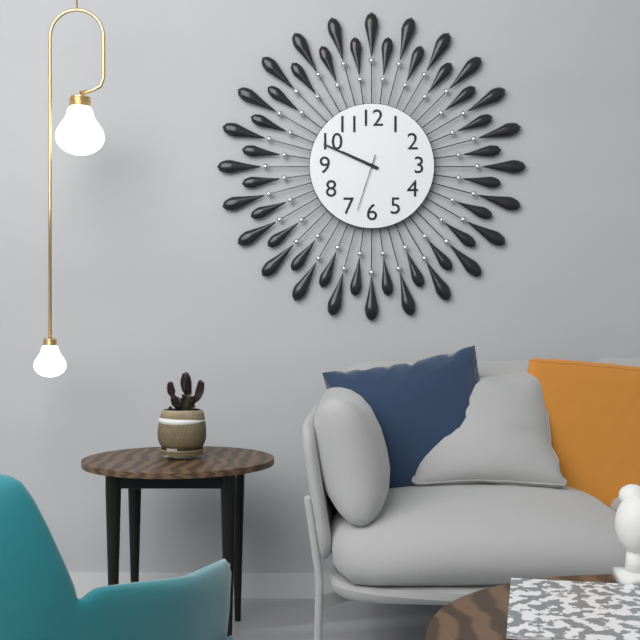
9:49:33
